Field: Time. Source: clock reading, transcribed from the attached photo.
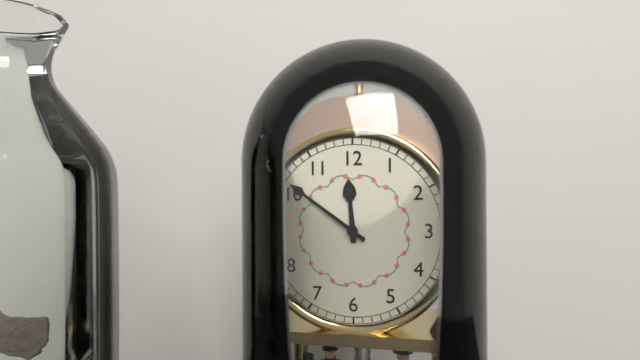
11:51
